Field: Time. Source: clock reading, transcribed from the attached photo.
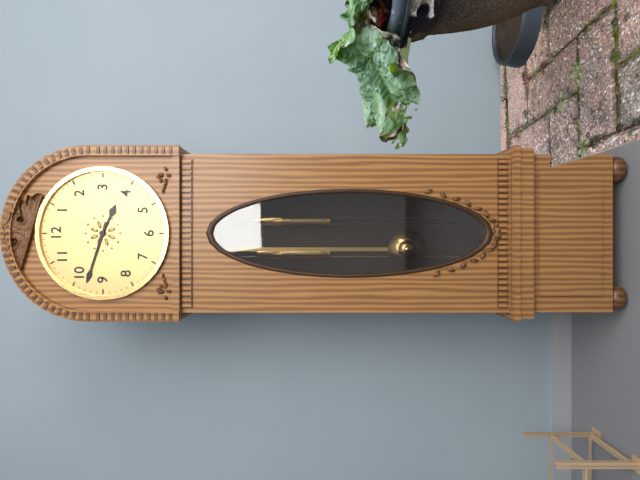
3:48
